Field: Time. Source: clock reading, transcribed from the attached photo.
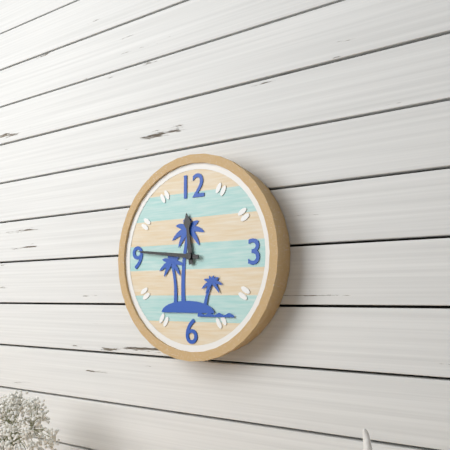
11:46
